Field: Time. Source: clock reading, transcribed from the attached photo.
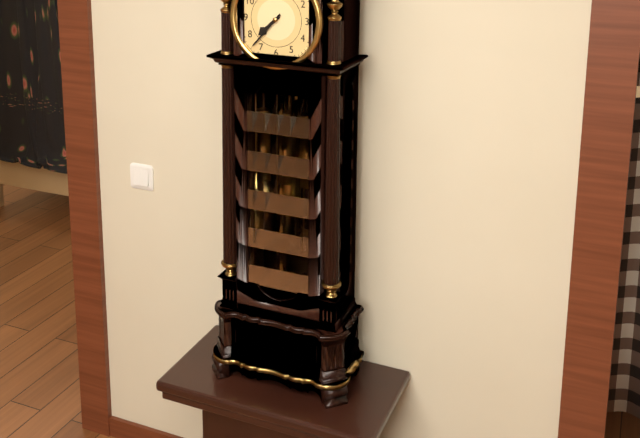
7:37
